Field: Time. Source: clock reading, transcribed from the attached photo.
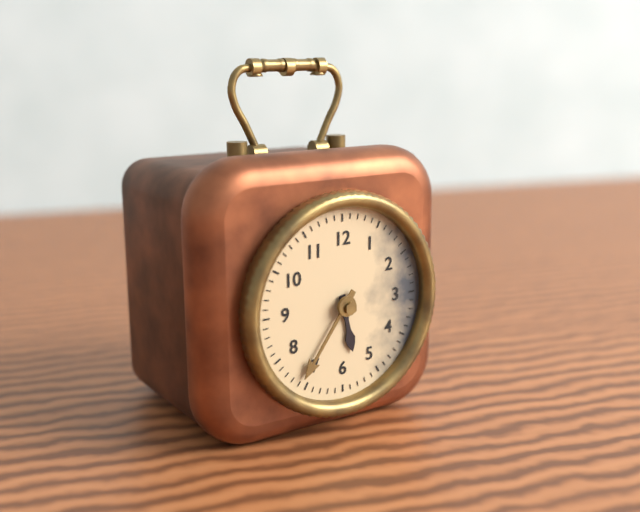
5:36
